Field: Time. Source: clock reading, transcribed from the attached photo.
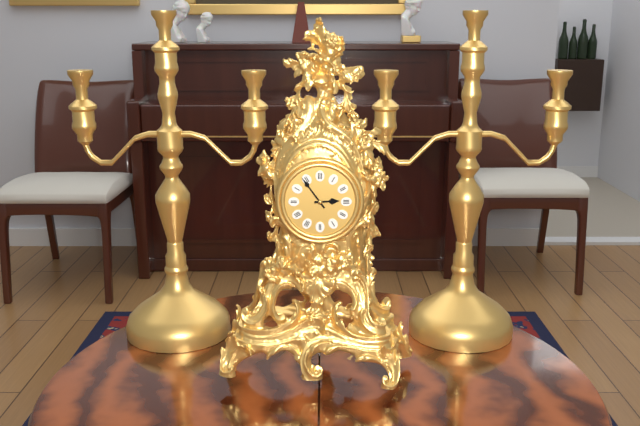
2:54
